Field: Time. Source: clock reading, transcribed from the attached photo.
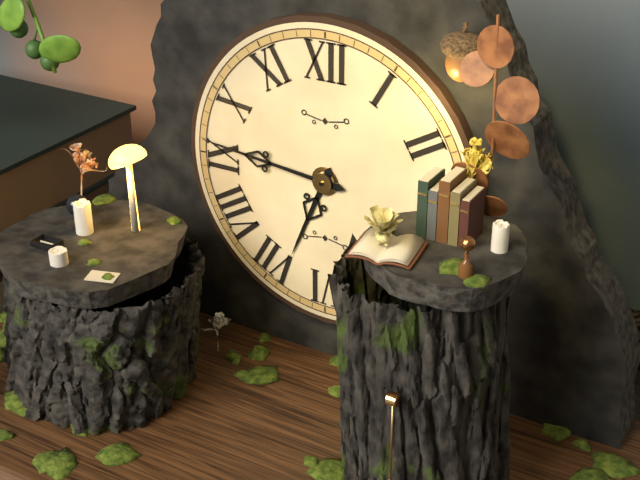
6:46
